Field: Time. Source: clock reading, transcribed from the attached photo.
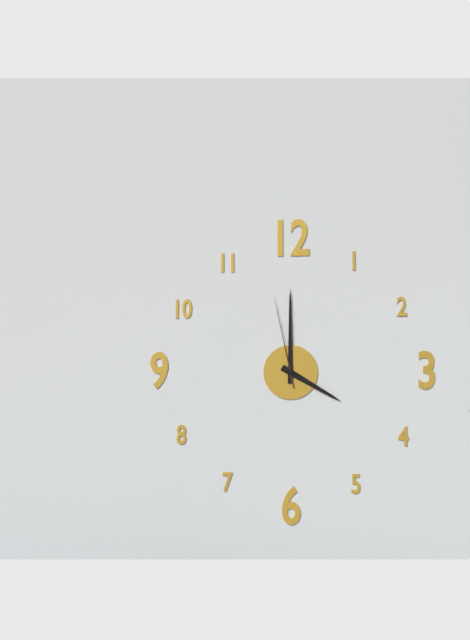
4:00:58
